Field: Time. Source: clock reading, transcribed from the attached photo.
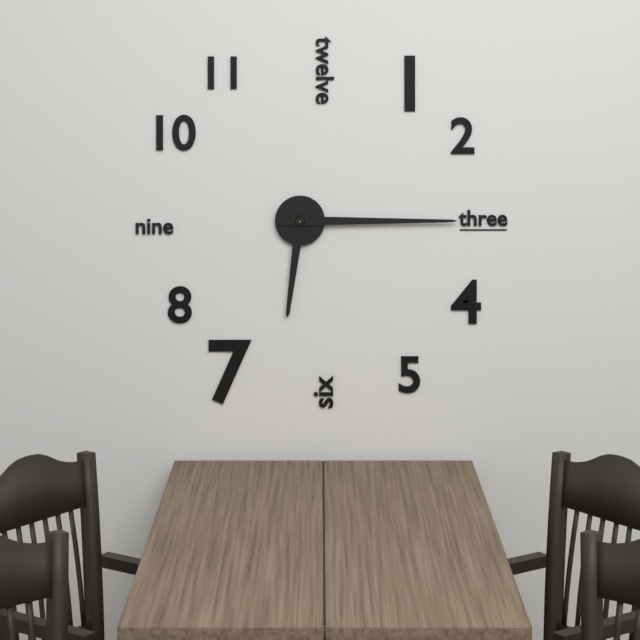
6:15
